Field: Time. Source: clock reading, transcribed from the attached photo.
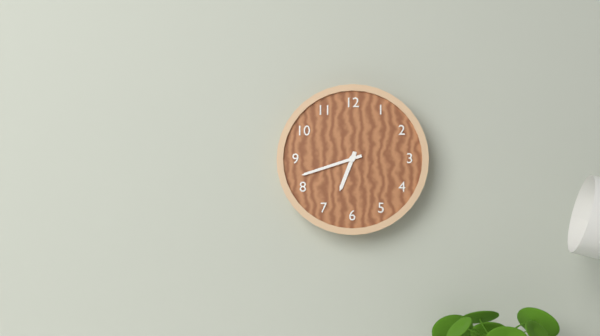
6:42
